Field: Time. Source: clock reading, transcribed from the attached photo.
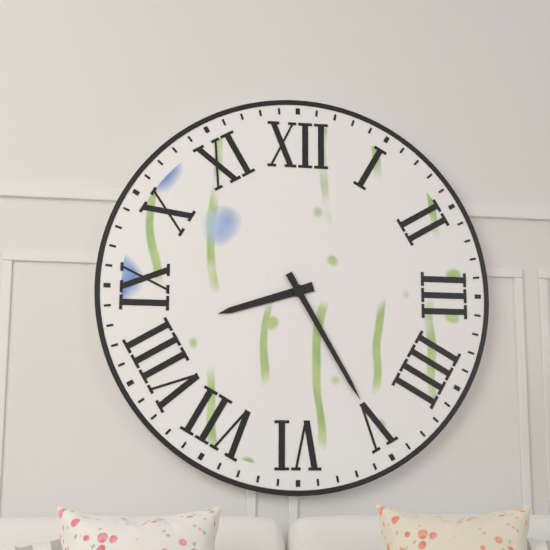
8:25
